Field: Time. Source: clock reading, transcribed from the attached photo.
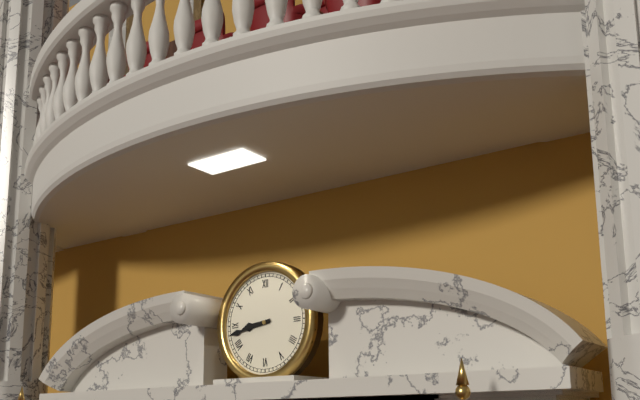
8:43
